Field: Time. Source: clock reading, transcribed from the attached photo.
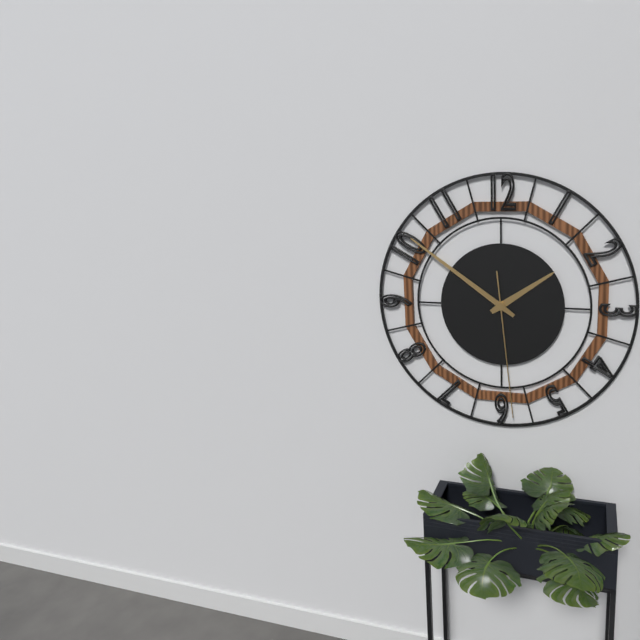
1:51:29
